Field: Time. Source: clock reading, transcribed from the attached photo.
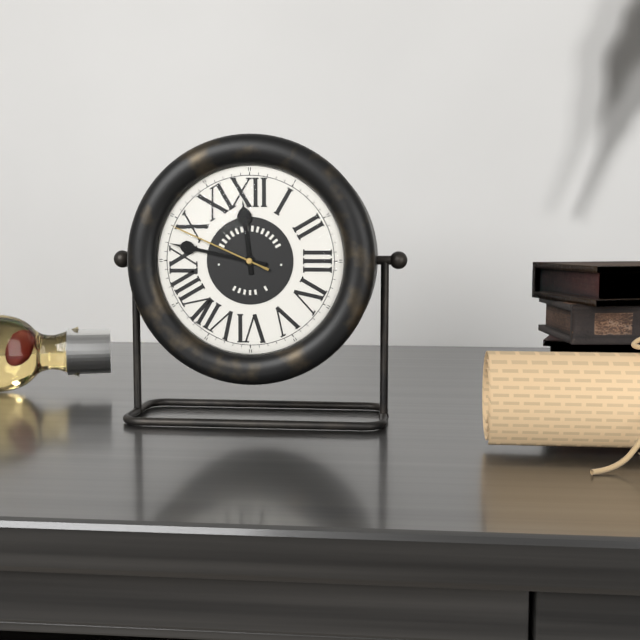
11:47:49
